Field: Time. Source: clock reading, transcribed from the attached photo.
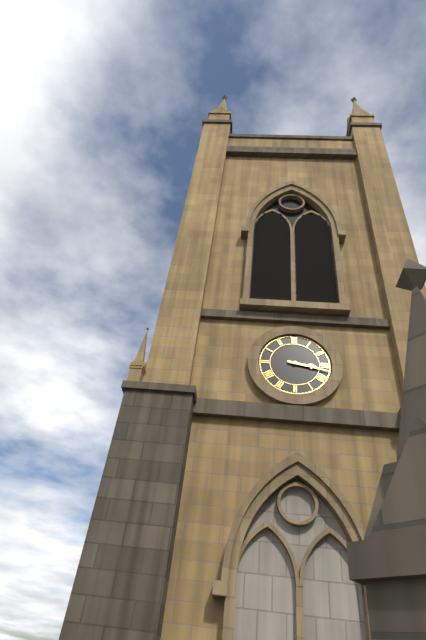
3:17
